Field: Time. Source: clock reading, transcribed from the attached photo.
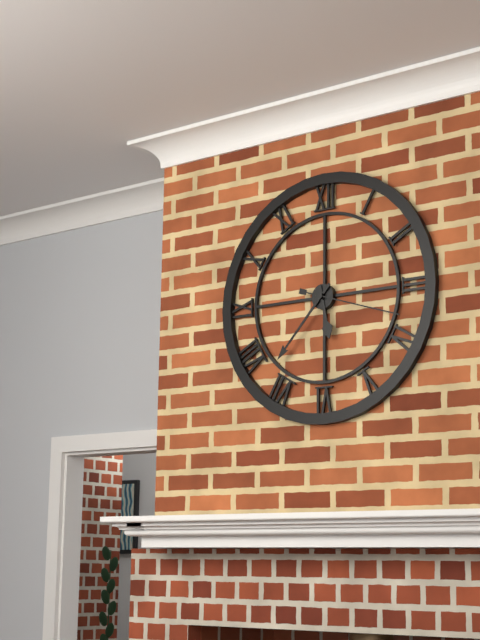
5:37:18
